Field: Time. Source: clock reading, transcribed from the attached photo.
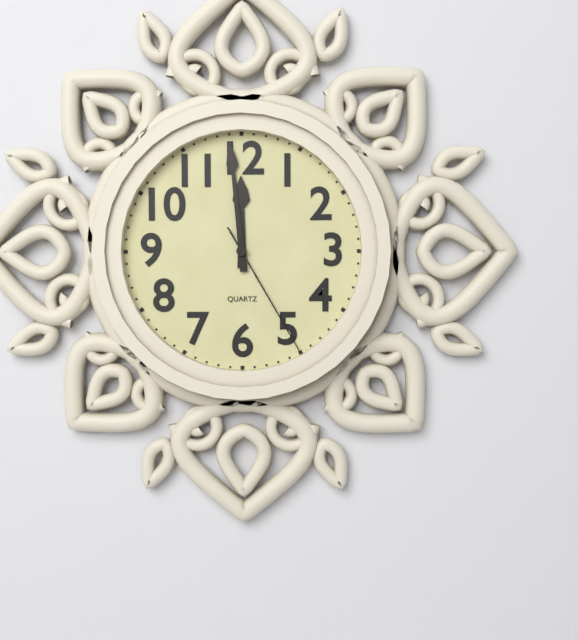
11:59:25
